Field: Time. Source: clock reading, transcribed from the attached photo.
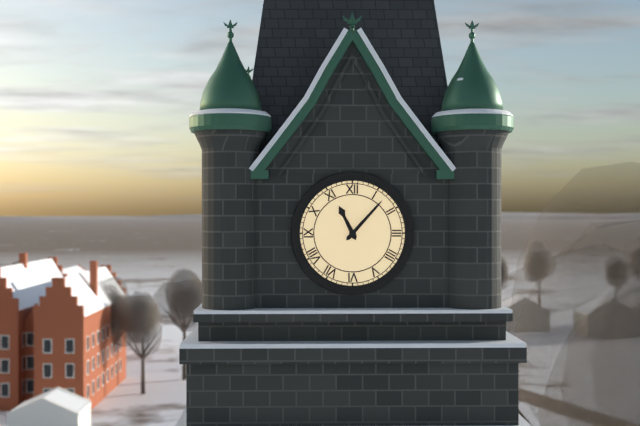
11:07
